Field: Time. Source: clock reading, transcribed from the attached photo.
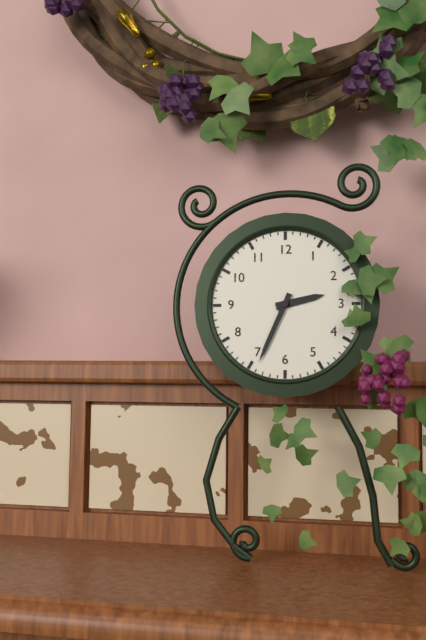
2:34
